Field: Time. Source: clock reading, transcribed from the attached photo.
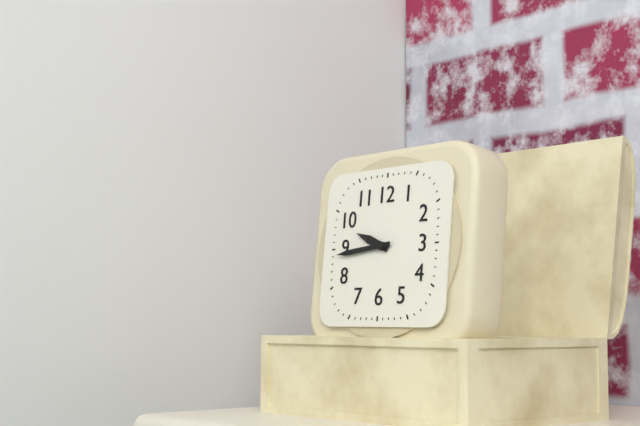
9:44
